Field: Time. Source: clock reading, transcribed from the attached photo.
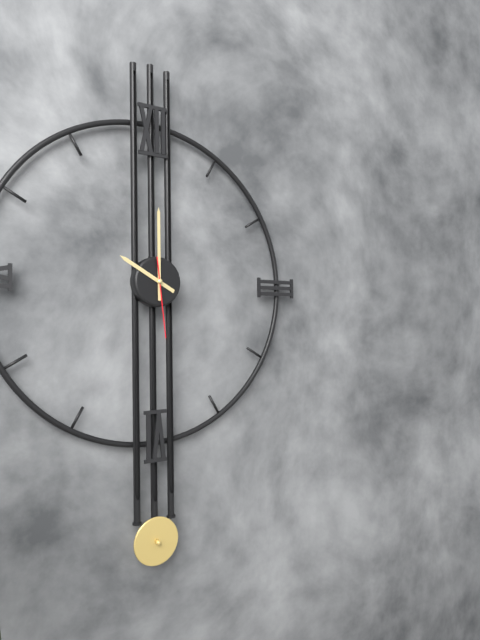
10:00:29
